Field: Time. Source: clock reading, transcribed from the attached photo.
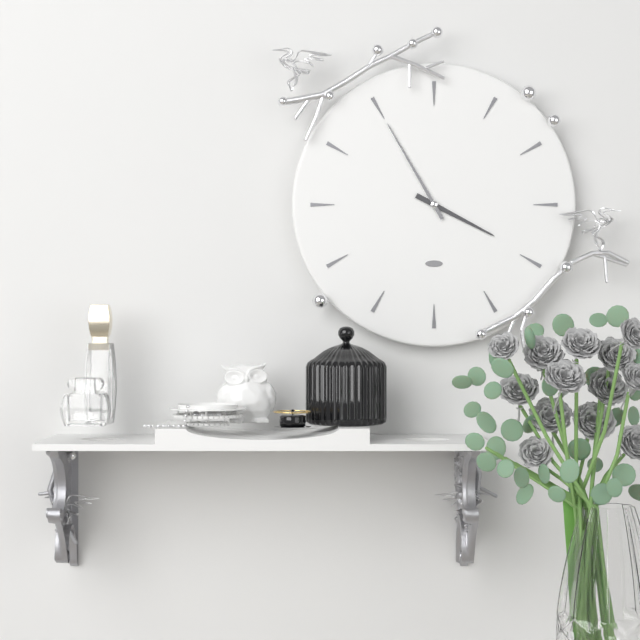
3:55
